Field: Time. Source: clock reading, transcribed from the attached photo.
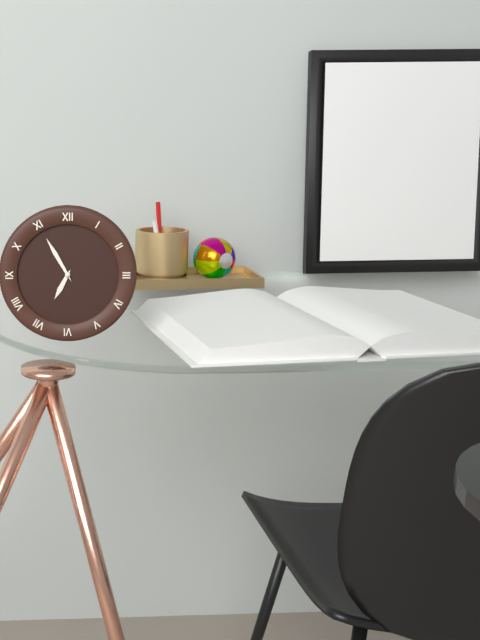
6:55
